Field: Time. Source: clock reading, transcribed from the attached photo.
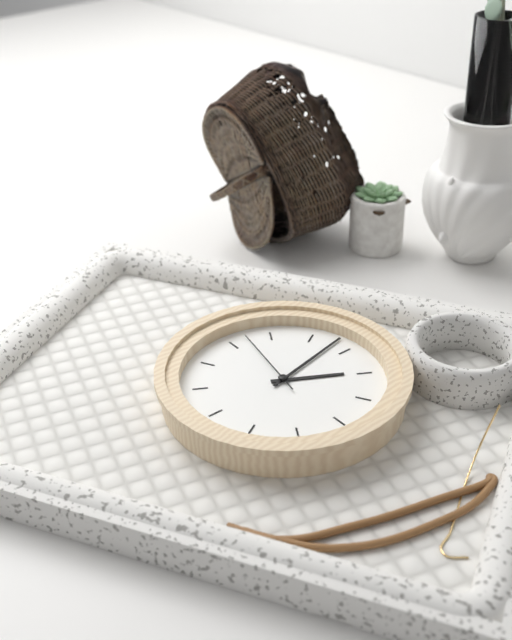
12:58:47
